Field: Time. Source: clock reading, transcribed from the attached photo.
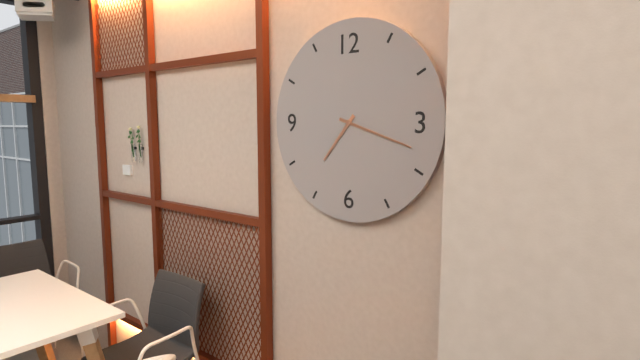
7:18
